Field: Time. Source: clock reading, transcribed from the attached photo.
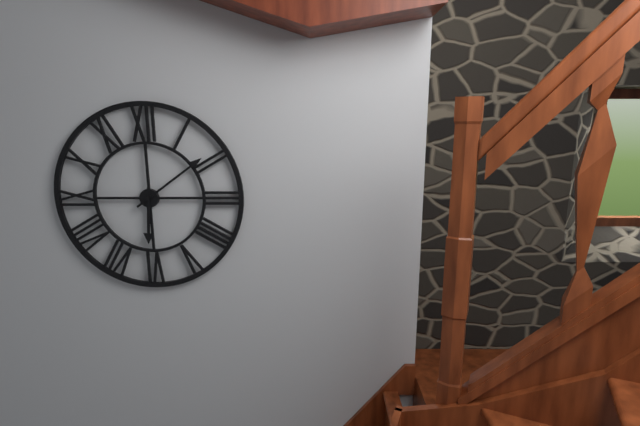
6:09
